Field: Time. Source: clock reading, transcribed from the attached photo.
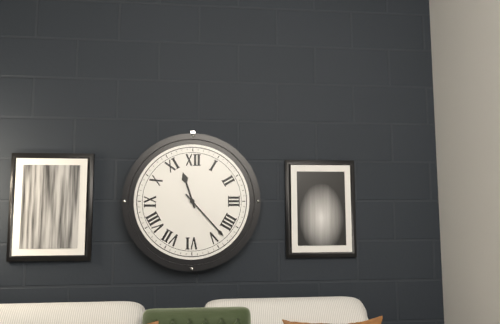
11:23
